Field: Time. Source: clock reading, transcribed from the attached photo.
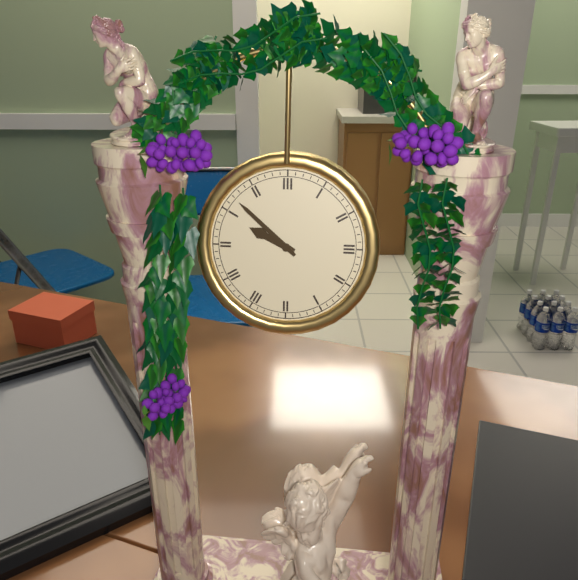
9:52
